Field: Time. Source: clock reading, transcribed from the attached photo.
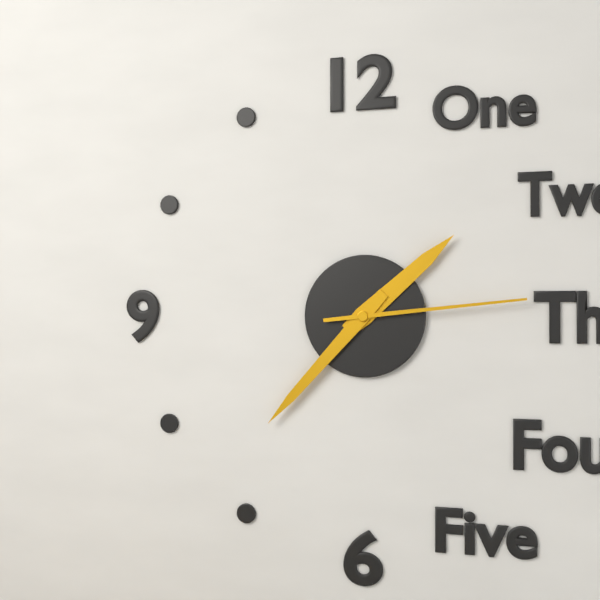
1:37:14
